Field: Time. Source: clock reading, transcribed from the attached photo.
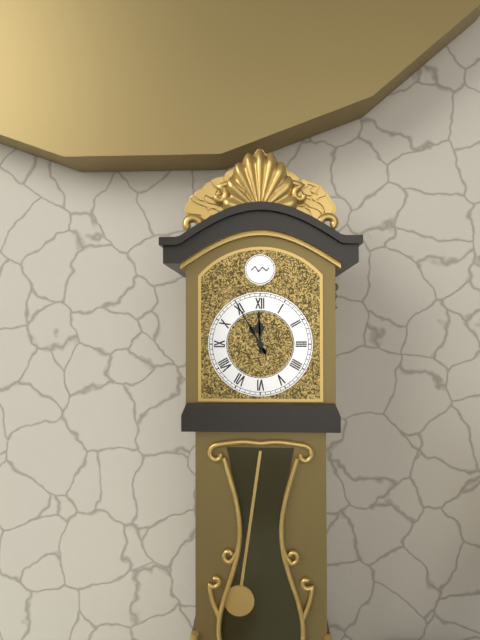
11:55
